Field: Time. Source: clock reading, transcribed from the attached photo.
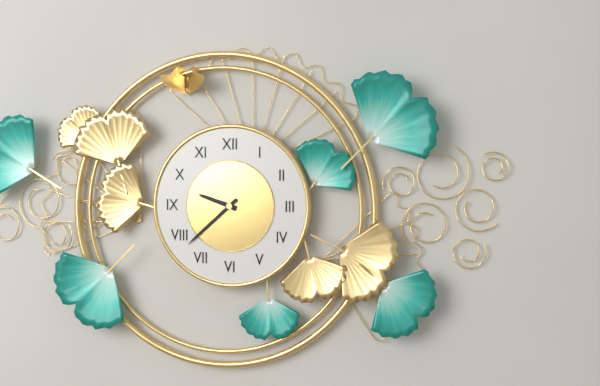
9:38
